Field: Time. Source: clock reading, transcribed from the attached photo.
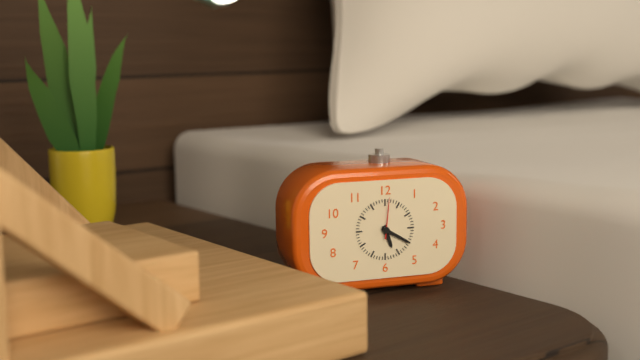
5:20
